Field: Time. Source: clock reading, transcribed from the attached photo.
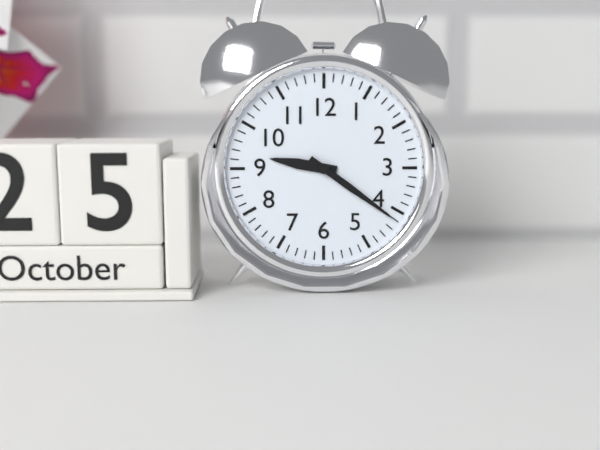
9:21
